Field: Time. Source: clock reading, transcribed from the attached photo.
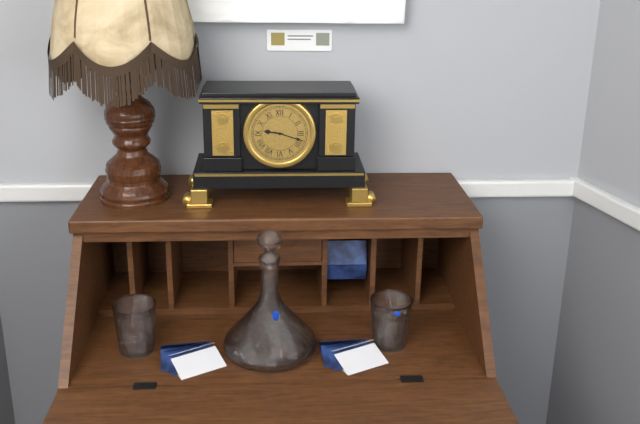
9:18
